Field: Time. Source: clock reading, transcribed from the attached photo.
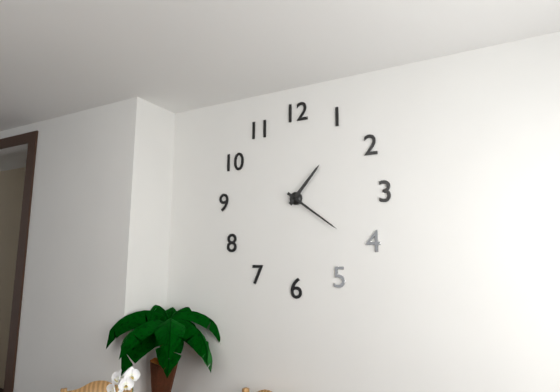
1:21
